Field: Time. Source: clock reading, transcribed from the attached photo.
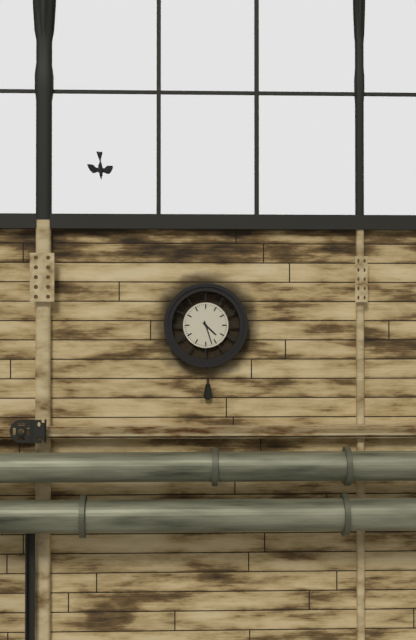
4:27
